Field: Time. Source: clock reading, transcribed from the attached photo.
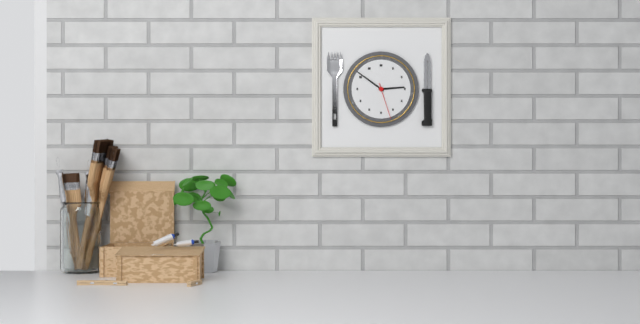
2:51
